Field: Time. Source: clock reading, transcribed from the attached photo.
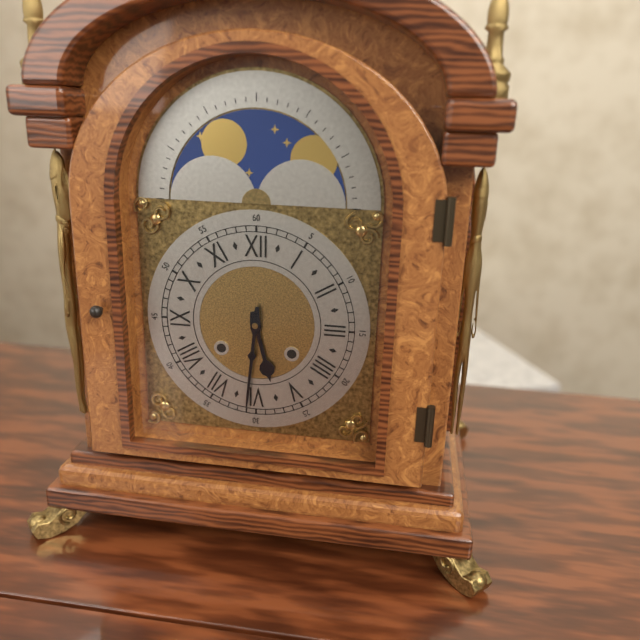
5:31
